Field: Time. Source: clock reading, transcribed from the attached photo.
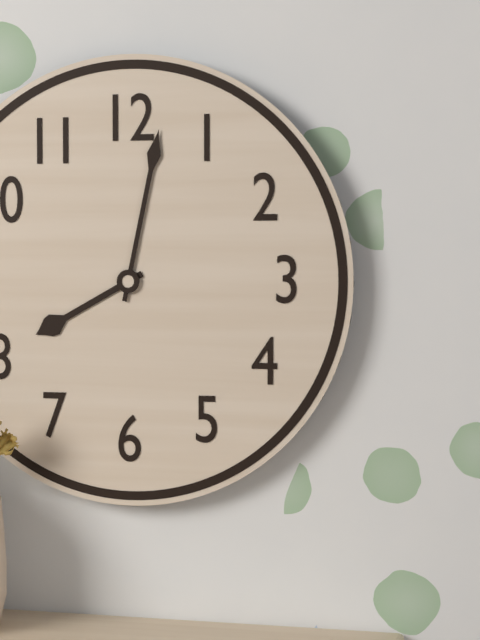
8:02
